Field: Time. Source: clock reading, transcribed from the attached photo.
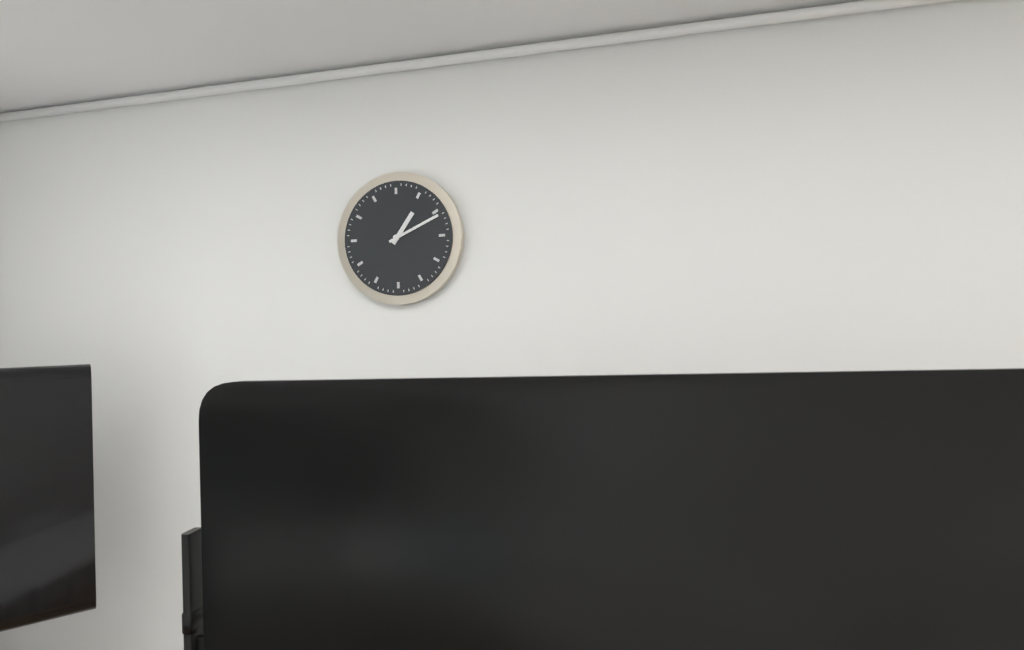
1:11
